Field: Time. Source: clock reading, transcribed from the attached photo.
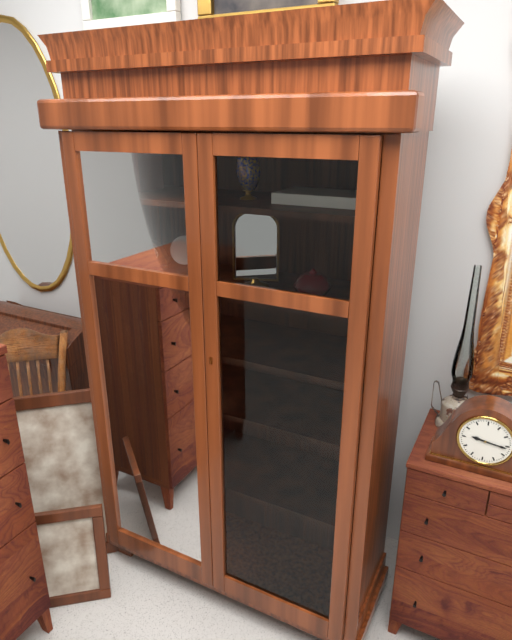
9:16
